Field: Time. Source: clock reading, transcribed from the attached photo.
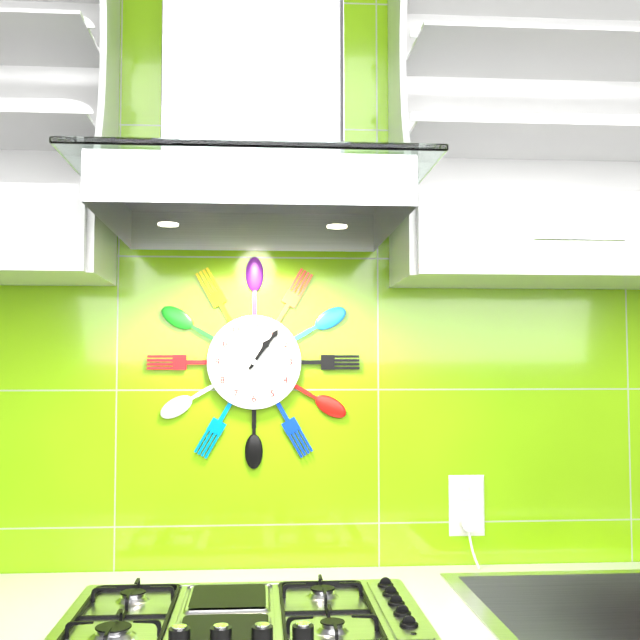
1:06
